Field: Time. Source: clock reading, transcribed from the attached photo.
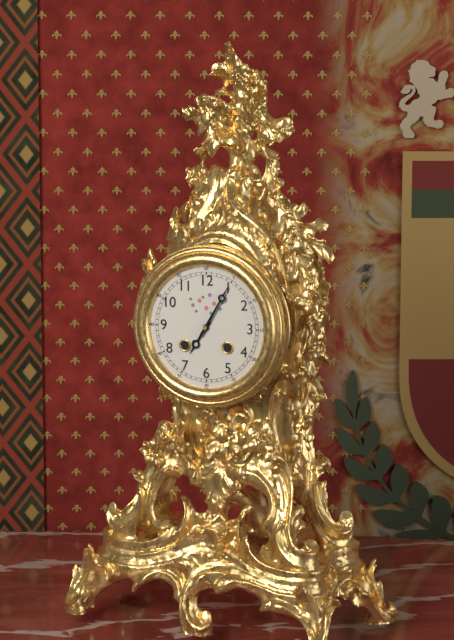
7:05
